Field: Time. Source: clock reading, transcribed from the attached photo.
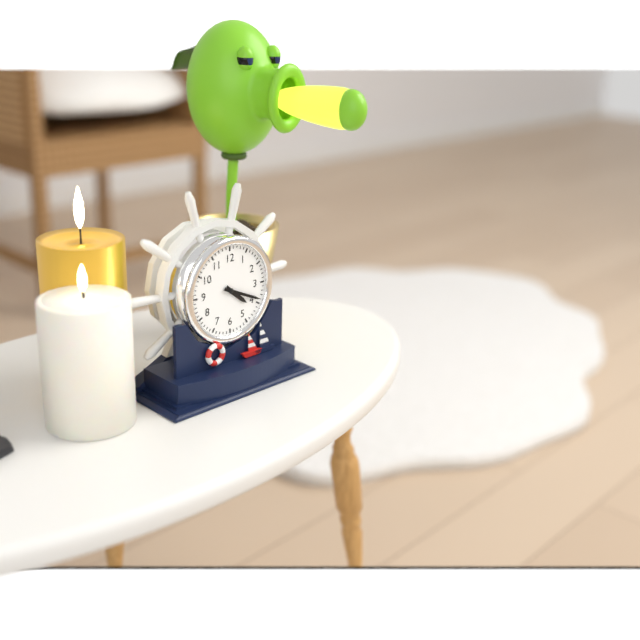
4:19
